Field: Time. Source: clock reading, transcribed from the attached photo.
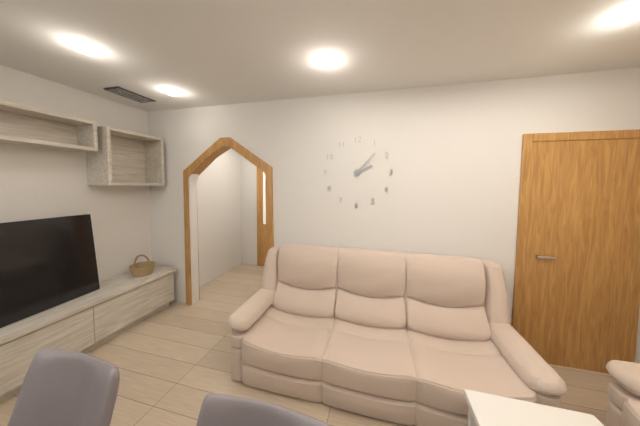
2:07
